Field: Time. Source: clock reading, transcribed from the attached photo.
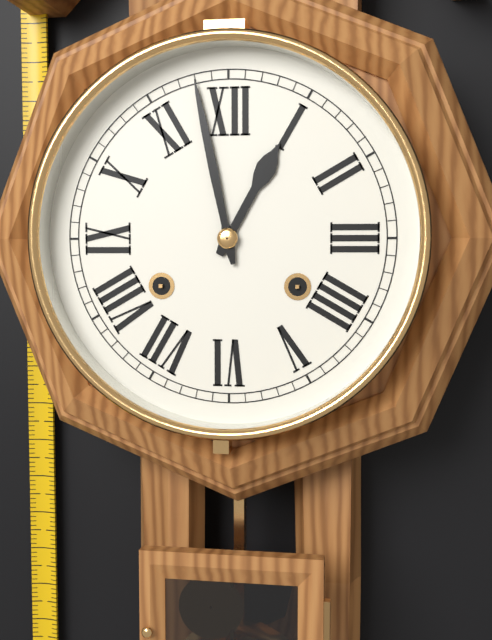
12:58
